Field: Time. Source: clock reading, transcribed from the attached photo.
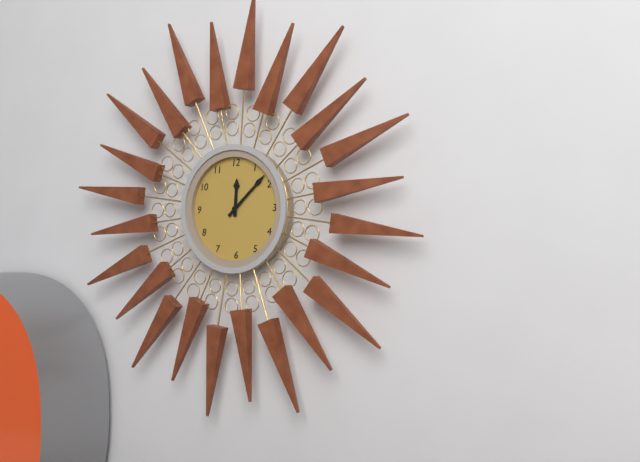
12:08
